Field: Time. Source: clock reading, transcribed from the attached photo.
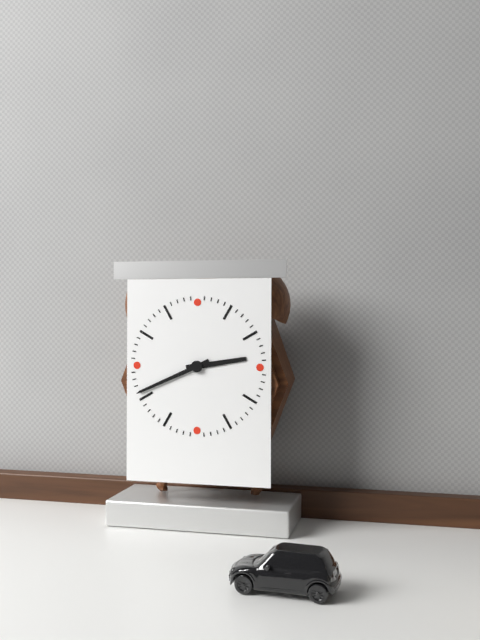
2:41
